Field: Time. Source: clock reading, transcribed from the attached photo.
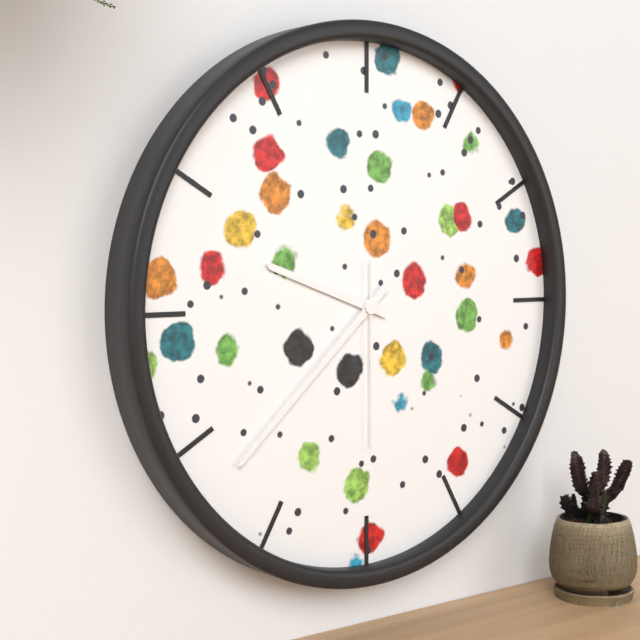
9:38:30
